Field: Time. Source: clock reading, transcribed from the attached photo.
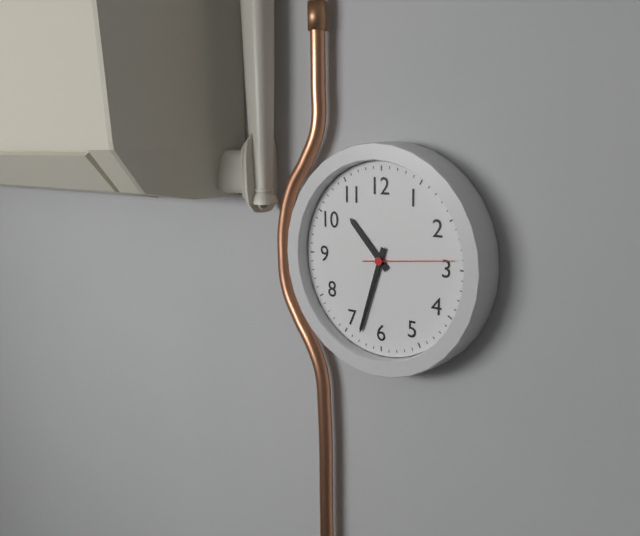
10:33:14
